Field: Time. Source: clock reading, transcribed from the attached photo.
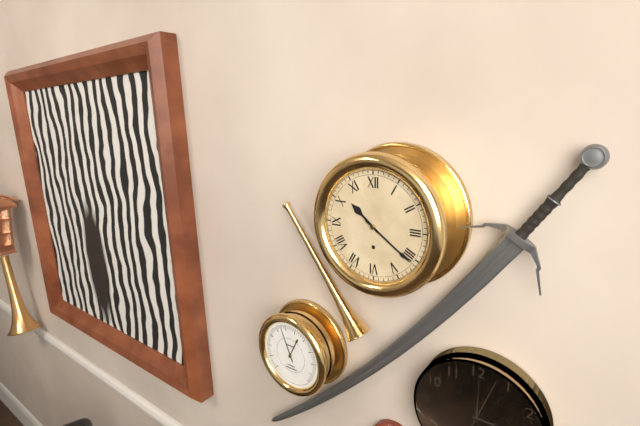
10:21
